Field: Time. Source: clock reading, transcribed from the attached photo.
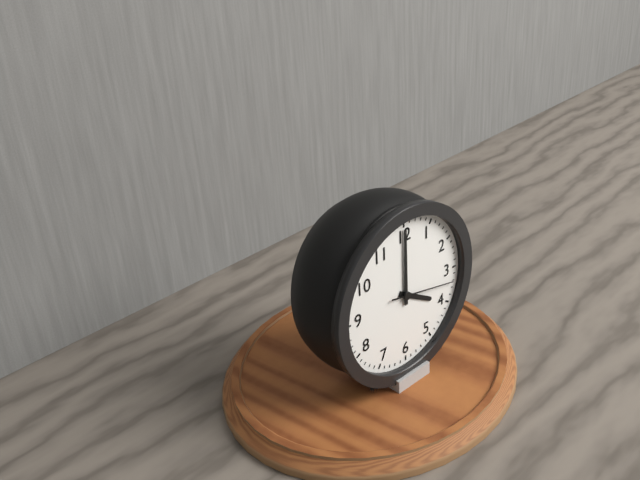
4:00:17
